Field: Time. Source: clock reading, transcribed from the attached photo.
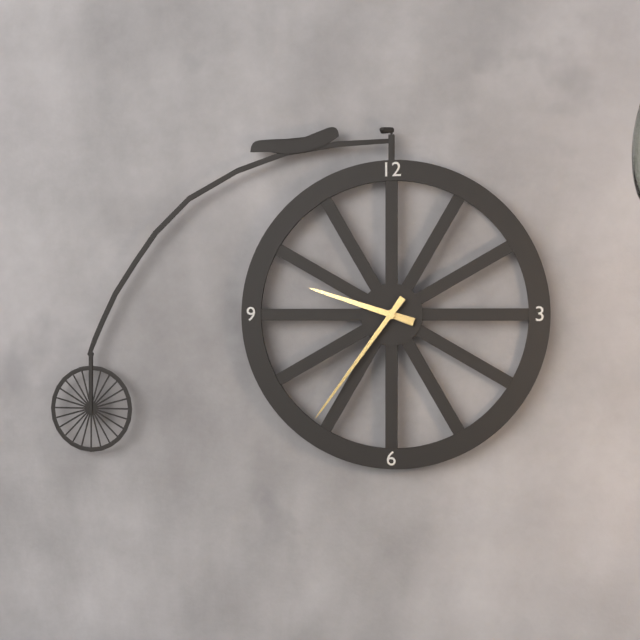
9:36
